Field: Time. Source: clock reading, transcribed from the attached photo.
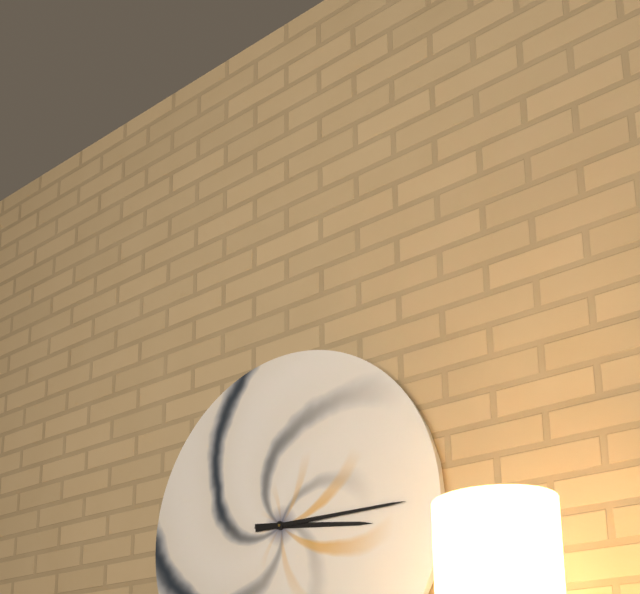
3:15
